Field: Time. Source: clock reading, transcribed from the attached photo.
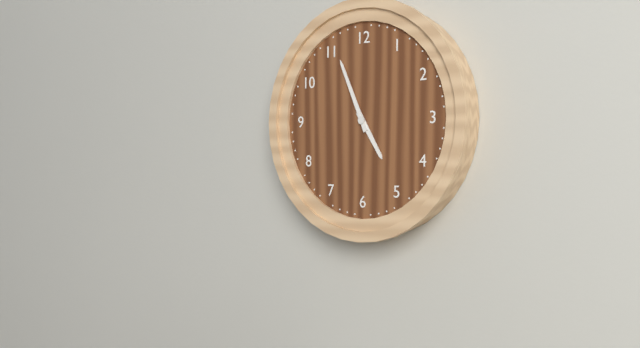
4:56
